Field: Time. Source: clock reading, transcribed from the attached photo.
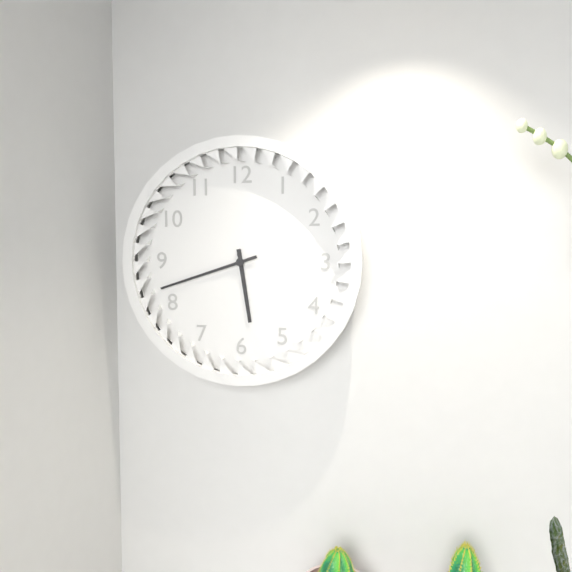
5:42
